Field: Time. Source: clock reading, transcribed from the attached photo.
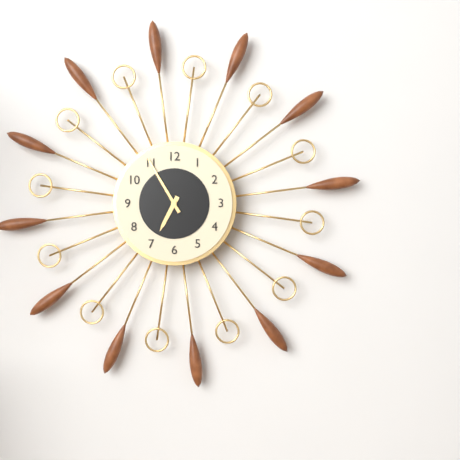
6:55
